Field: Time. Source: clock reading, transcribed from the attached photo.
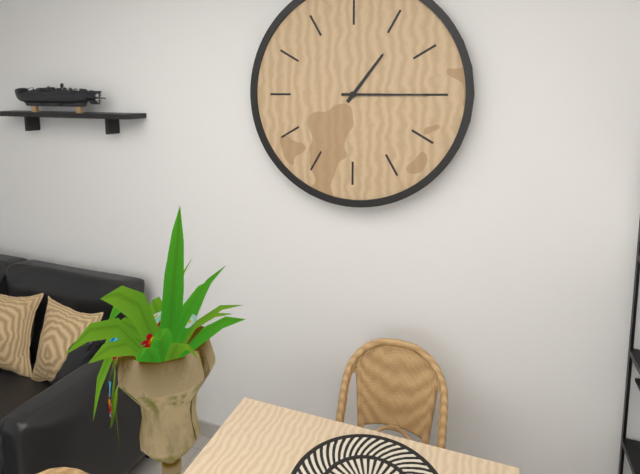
1:15
